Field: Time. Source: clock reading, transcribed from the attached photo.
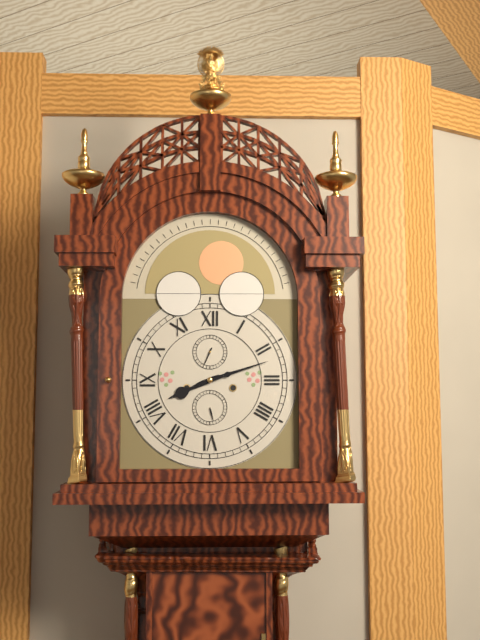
8:12
